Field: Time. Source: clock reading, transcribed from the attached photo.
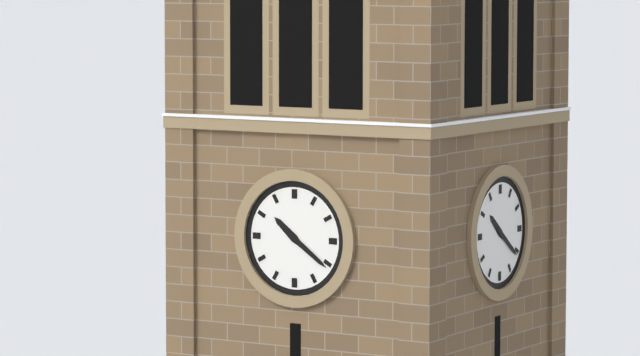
10:21
